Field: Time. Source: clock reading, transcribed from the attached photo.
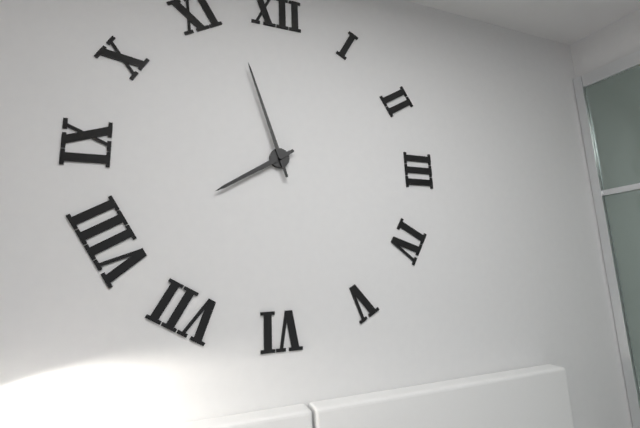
7:57
